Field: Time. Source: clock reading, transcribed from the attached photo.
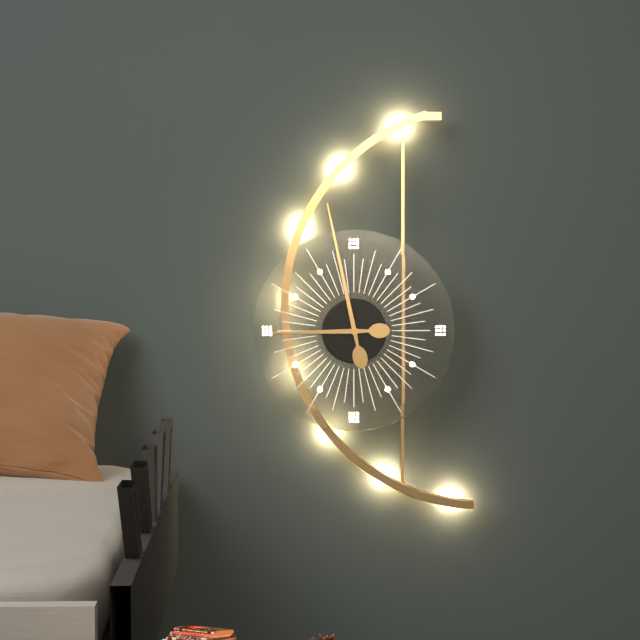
8:58
